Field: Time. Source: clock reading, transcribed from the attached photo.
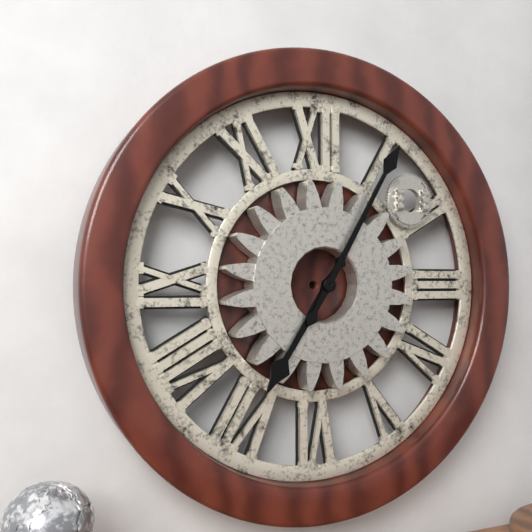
7:05
